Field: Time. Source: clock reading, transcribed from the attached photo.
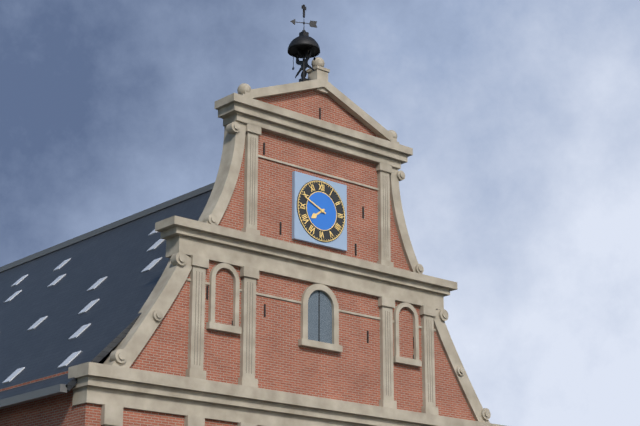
7:49
